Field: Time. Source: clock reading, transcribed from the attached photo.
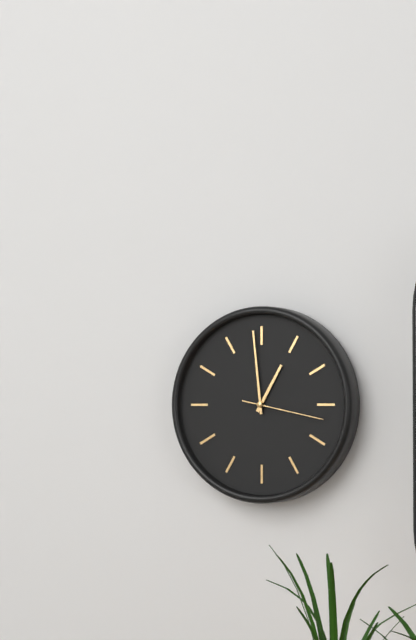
12:59:17
